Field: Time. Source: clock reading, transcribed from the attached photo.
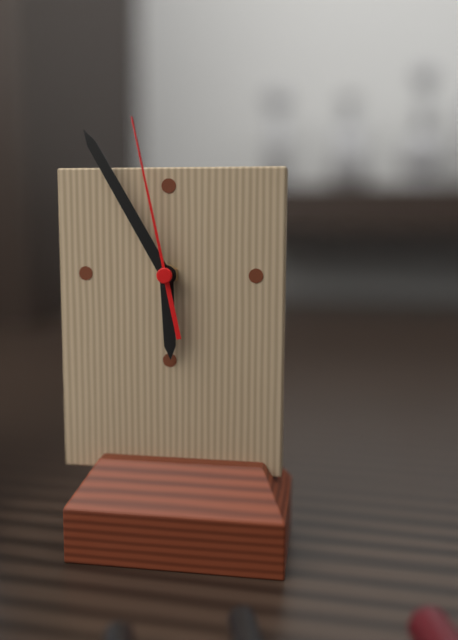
5:55:58
